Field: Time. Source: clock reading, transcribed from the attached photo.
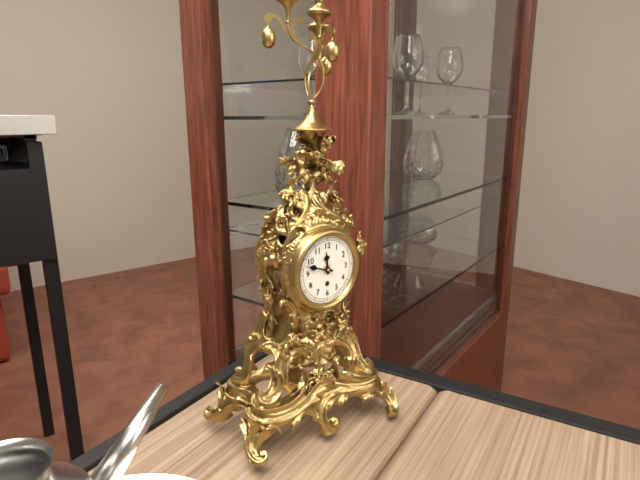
11:48
